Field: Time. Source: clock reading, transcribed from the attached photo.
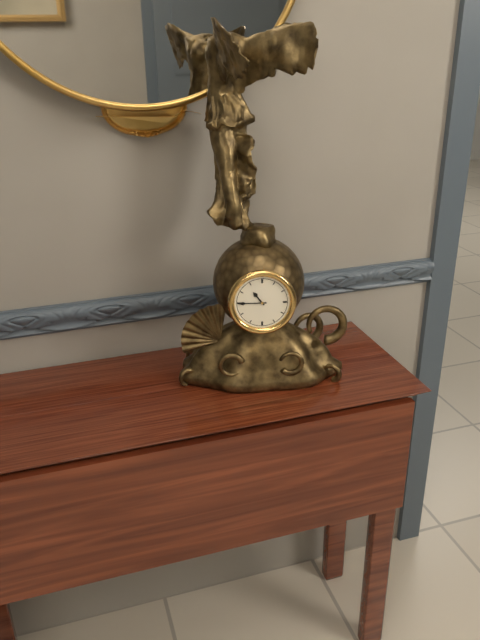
10:45
